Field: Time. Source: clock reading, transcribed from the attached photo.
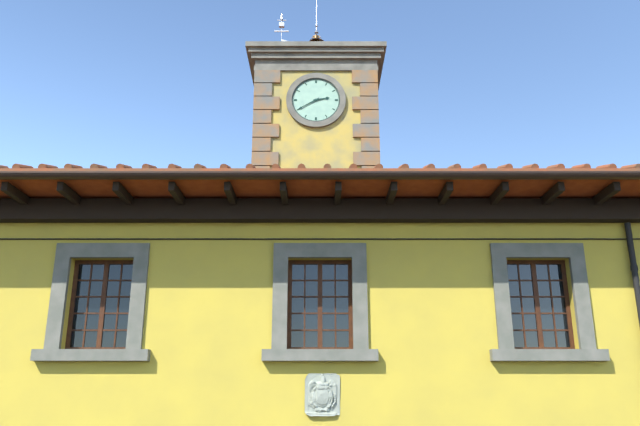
2:40
